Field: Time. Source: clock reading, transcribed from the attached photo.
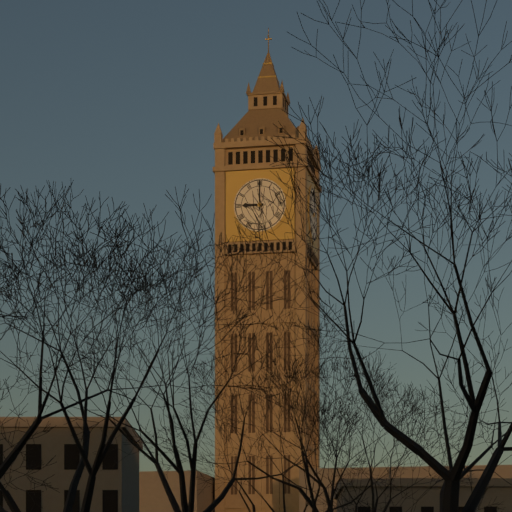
9:00
